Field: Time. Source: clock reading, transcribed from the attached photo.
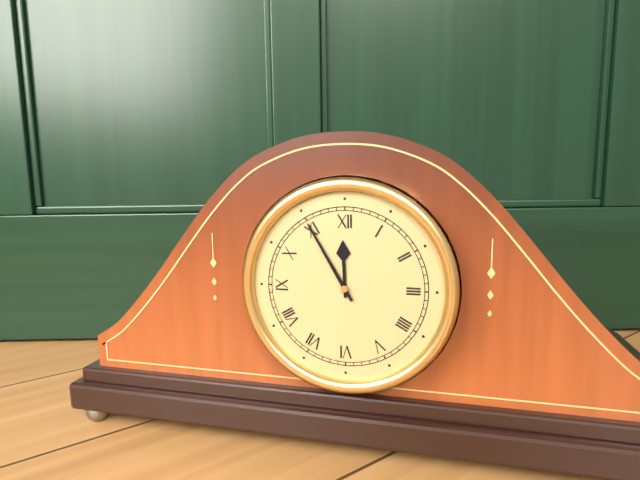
11:55
